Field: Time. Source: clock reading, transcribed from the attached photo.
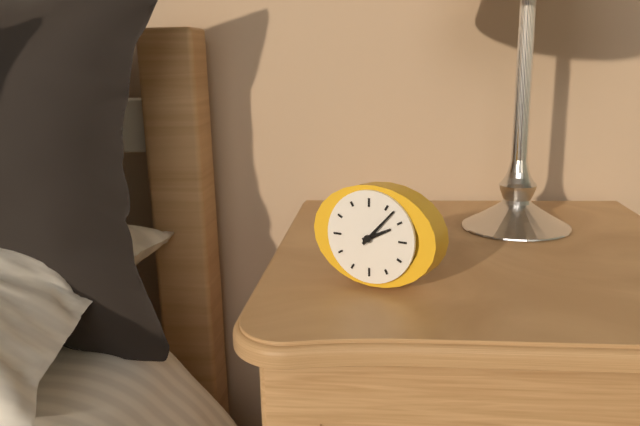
2:07
